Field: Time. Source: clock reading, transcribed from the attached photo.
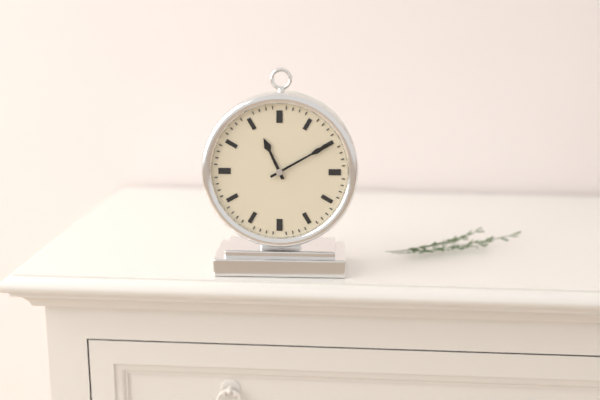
11:10
